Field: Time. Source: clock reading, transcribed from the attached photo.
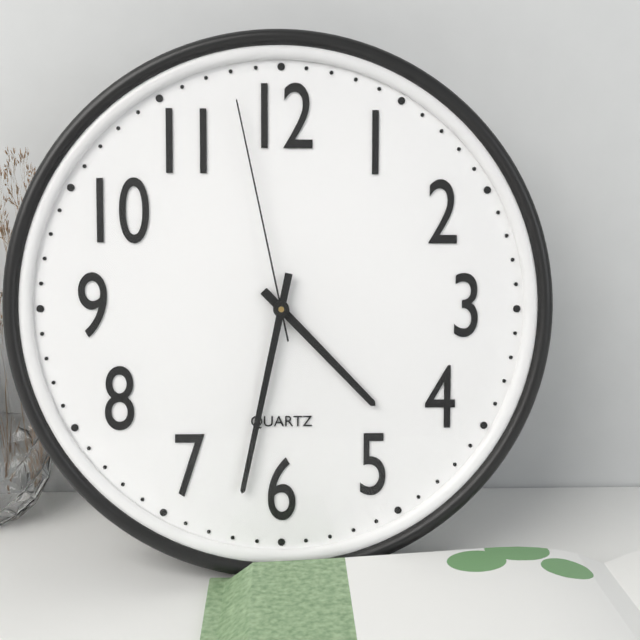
4:32:58
